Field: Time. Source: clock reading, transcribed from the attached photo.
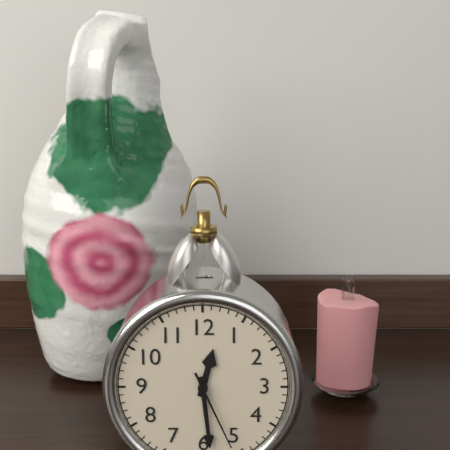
12:29:26
